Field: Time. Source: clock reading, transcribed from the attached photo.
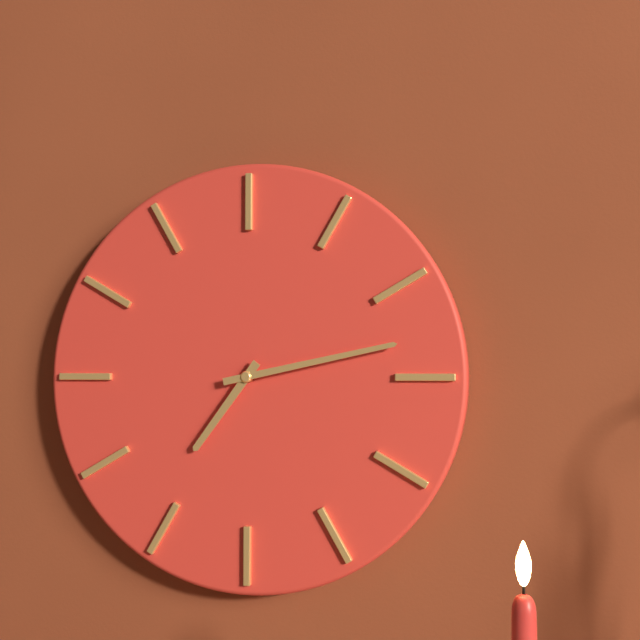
7:13
